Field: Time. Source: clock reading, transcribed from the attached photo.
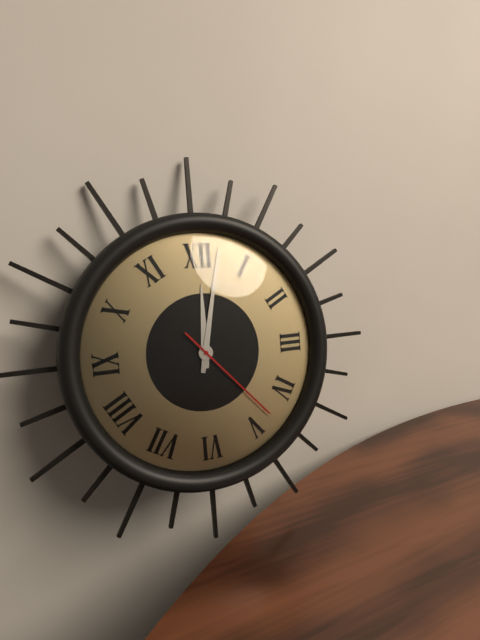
12:02:23
